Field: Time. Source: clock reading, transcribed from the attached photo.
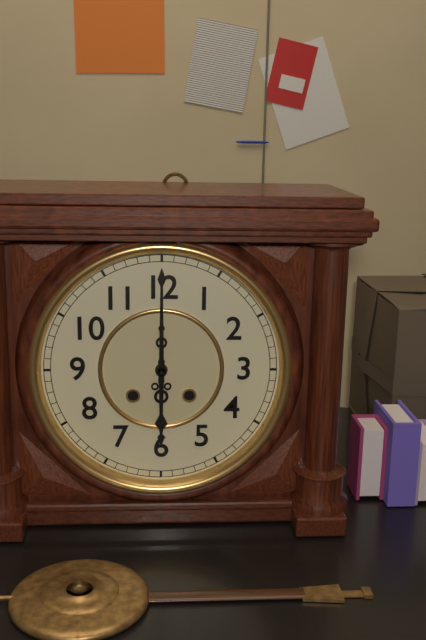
6:00
